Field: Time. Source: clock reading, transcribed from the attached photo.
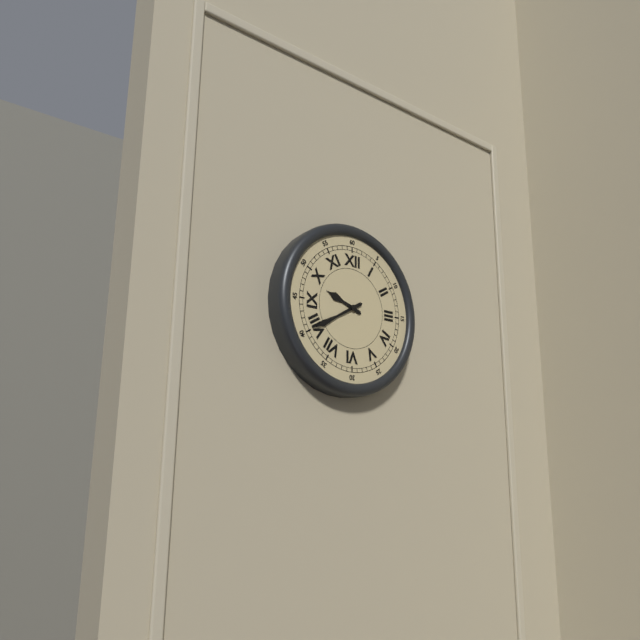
9:40
